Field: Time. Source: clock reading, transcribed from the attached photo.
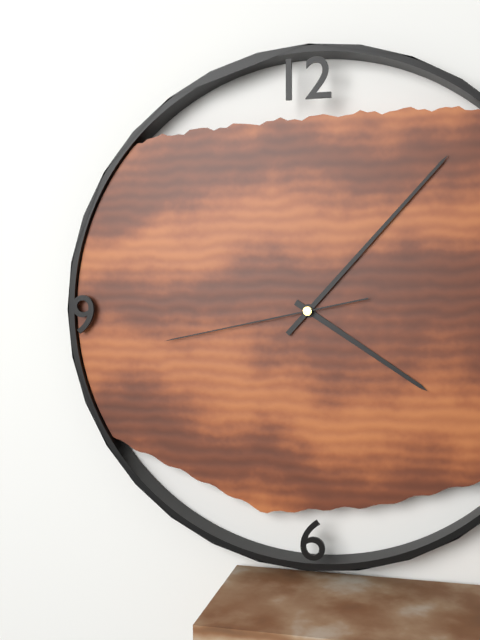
4:07:43
